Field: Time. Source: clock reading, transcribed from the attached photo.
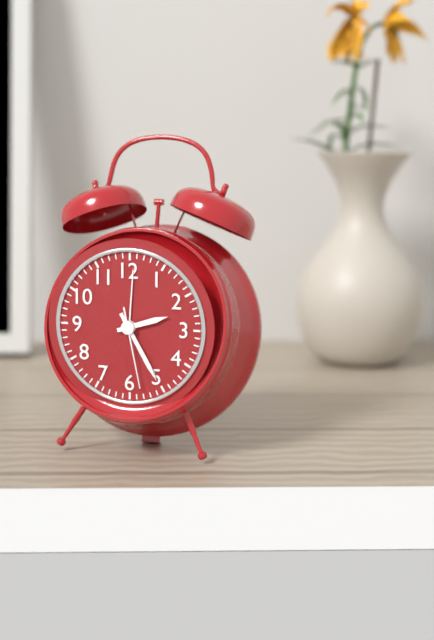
2:25:28
